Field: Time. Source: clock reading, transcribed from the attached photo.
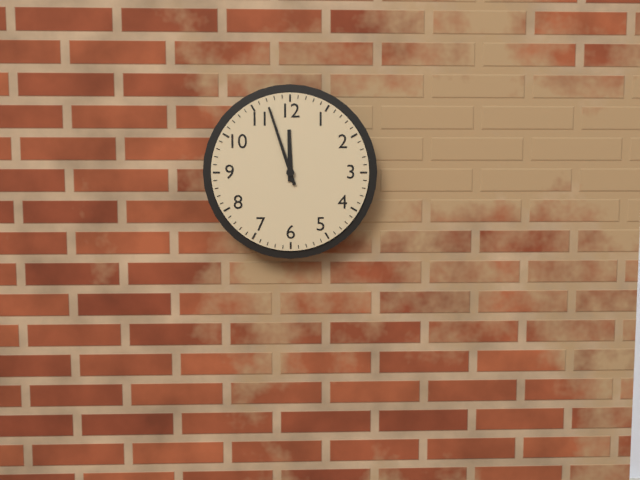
11:57
